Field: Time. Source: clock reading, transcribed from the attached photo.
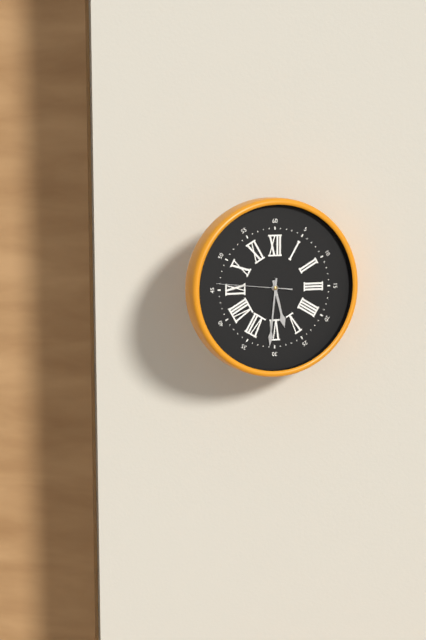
5:31:46
